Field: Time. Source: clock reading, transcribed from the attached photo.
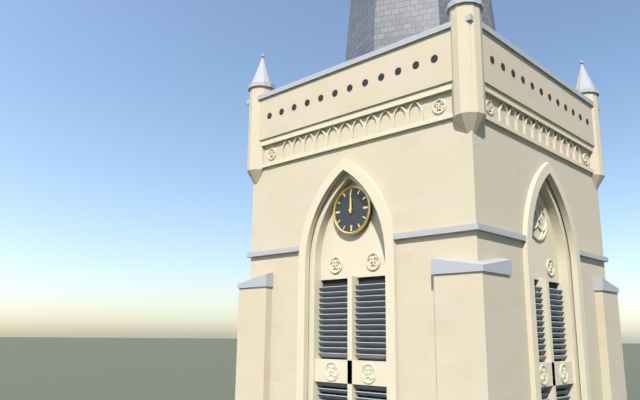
12:00
